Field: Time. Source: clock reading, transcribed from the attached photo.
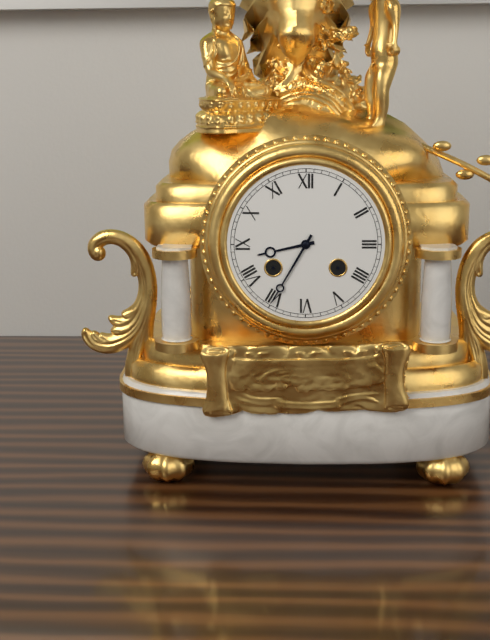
8:35
